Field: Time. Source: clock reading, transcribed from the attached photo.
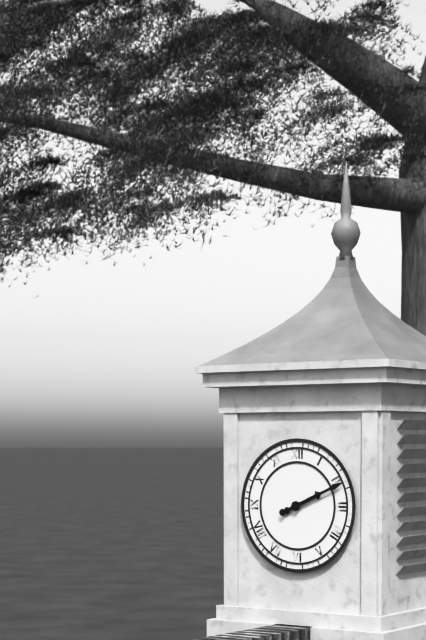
2:11
